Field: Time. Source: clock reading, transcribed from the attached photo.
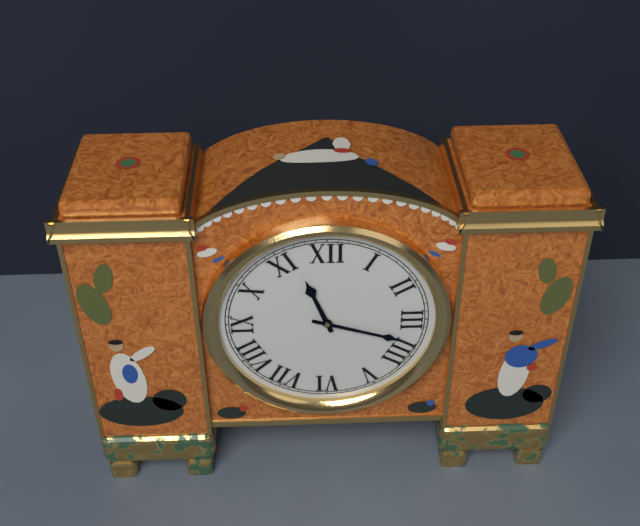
11:18
